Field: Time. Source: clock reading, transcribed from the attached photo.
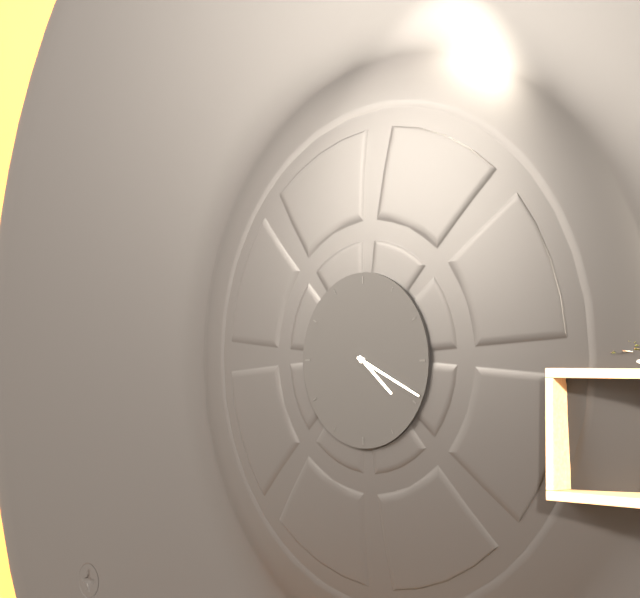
4:19
